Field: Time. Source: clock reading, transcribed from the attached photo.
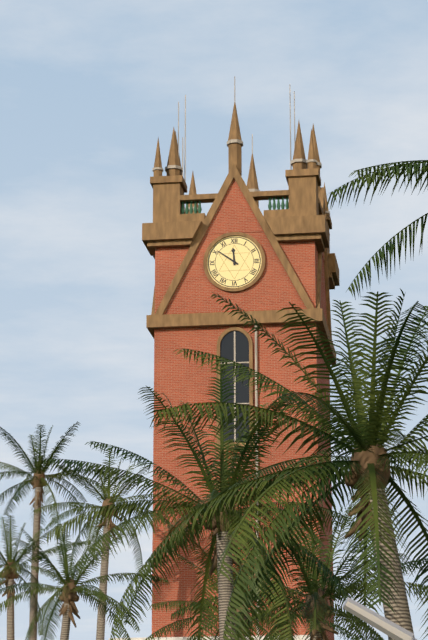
11:51
